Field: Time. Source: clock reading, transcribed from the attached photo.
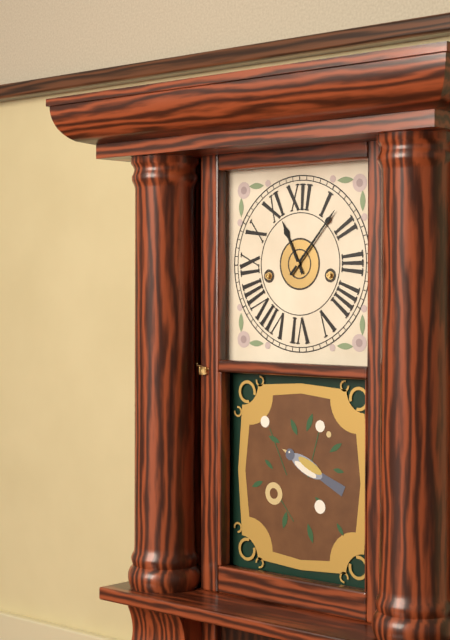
11:07
